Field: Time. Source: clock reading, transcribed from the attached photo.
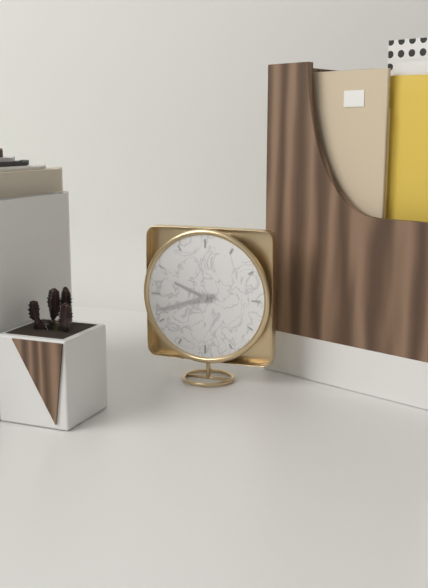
9:42
